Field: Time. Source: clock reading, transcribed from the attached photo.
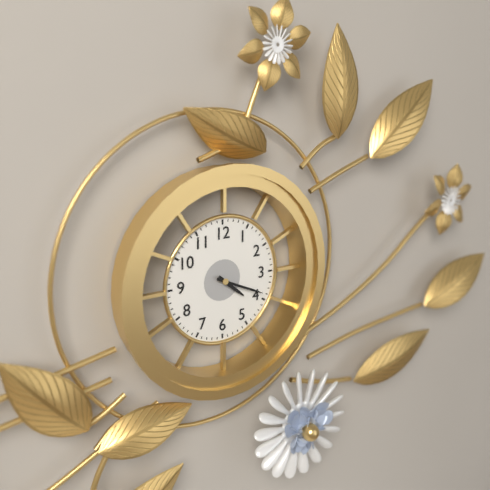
4:19
